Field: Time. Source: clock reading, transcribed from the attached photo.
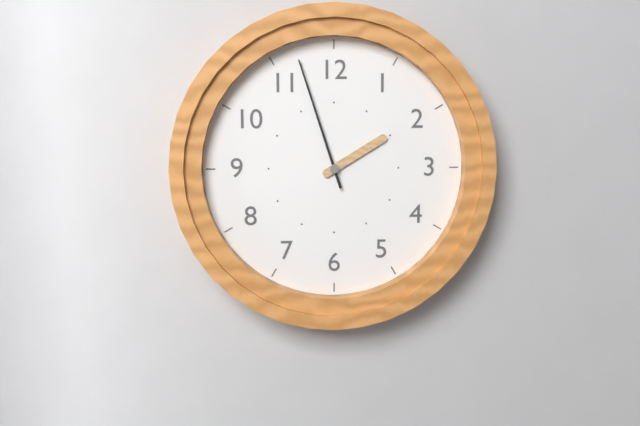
1:57
